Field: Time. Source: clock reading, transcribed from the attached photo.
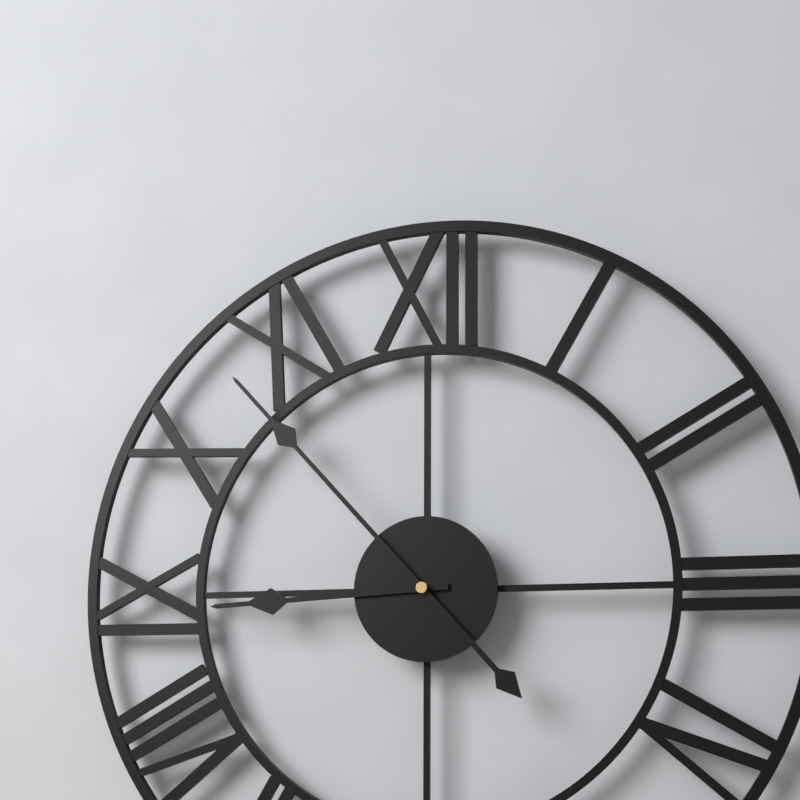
8:53
